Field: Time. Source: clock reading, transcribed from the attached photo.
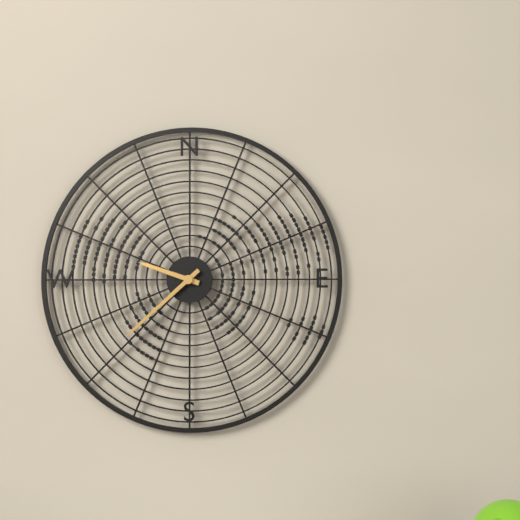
9:38
